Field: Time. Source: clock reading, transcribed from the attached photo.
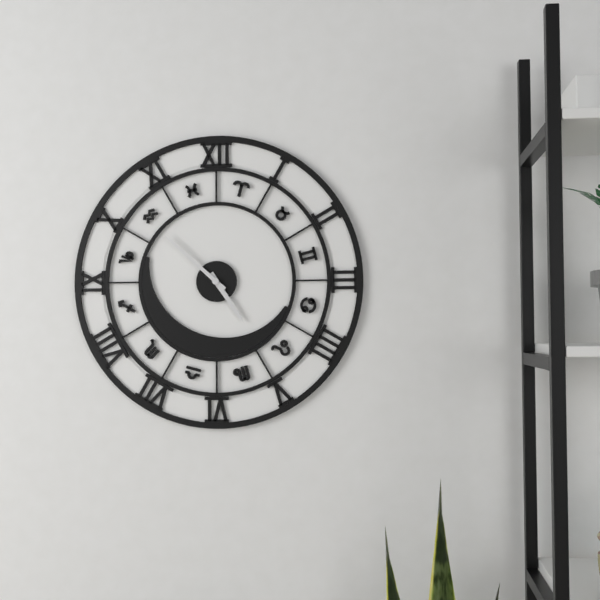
4:52
